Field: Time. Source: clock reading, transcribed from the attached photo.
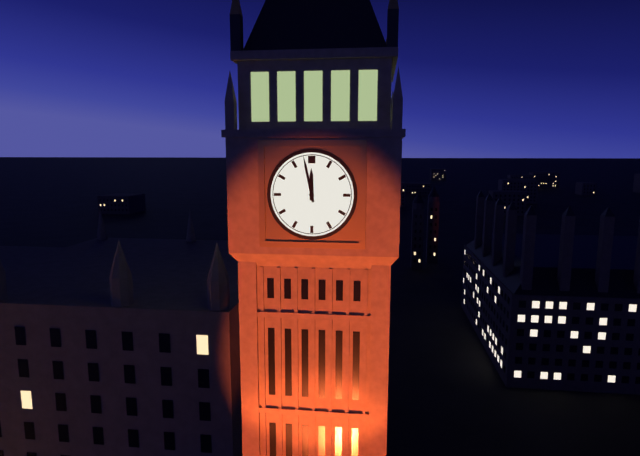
11:58
